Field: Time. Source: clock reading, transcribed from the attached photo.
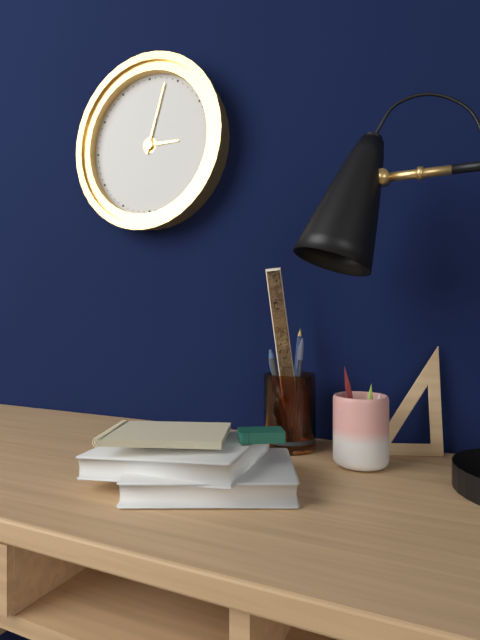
3:03
